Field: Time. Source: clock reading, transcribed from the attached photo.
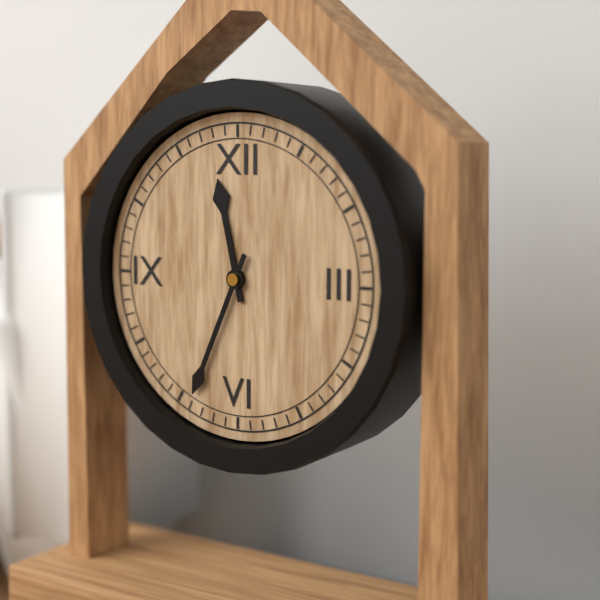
11:34
